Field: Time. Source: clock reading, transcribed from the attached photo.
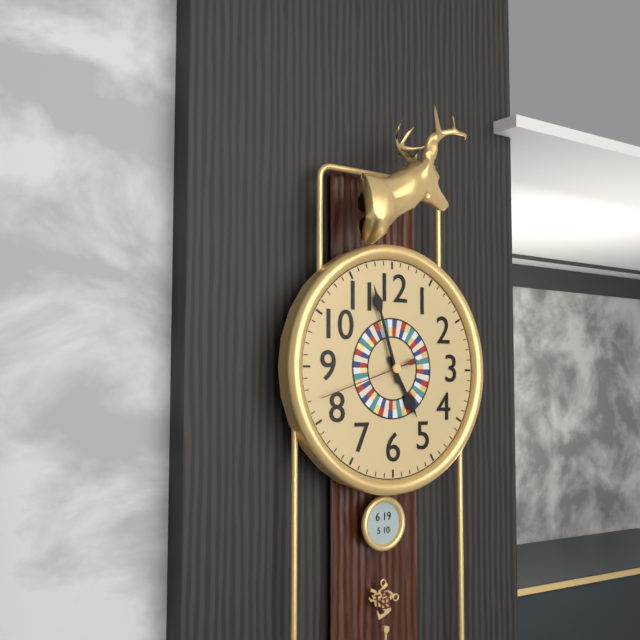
4:57:42
